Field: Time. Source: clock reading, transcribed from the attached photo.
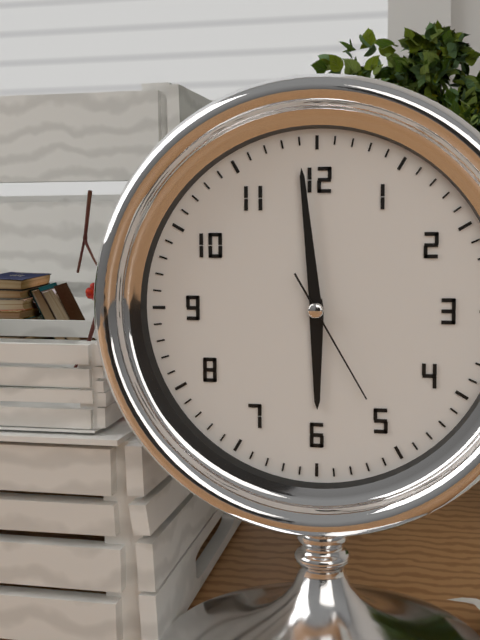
5:59:25
